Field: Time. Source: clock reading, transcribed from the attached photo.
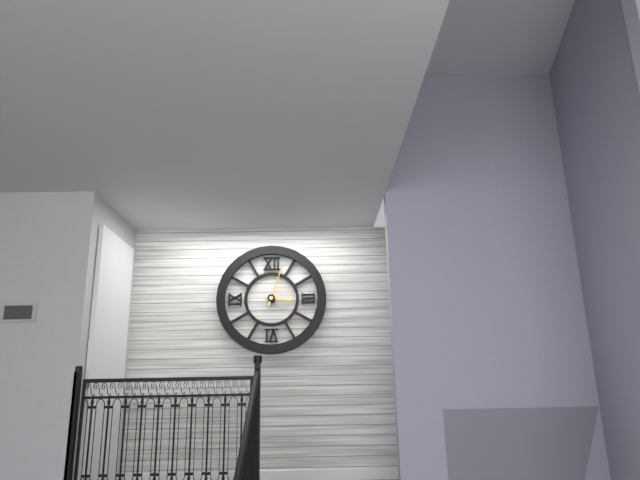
3:03
